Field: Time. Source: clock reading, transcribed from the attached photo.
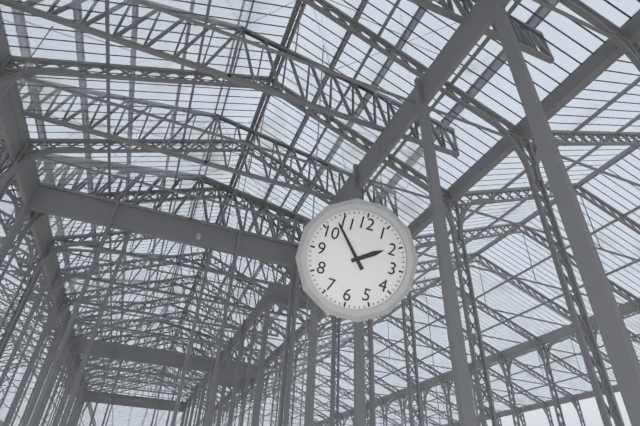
1:53
